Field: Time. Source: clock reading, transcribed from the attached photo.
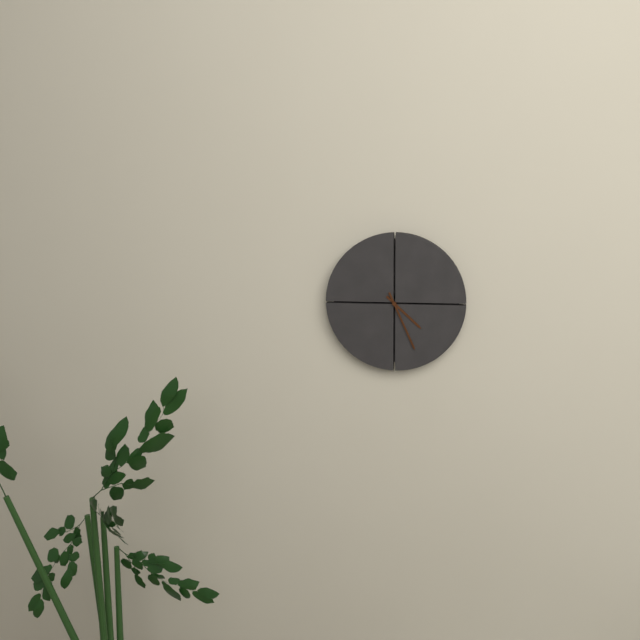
4:26
